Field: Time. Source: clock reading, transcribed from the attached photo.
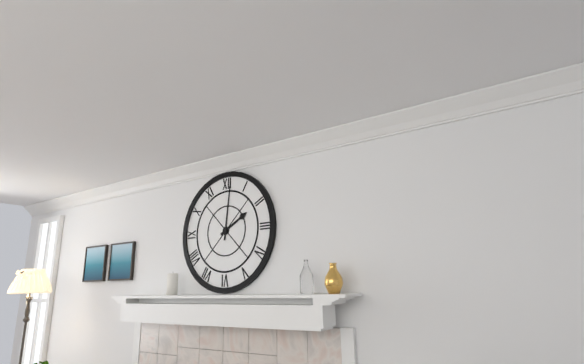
2:01
